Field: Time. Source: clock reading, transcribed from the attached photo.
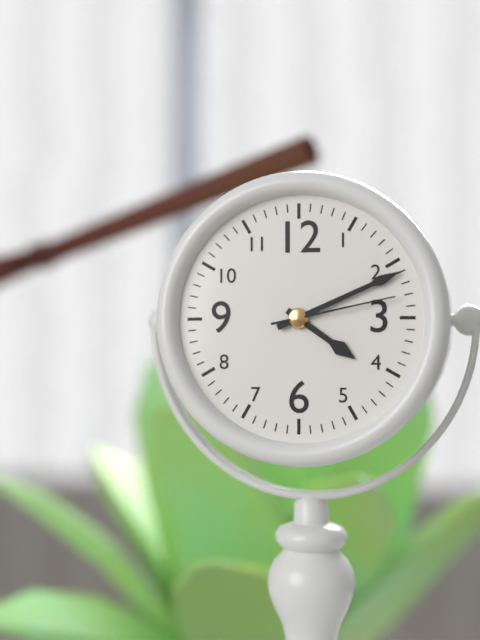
4:11:13
